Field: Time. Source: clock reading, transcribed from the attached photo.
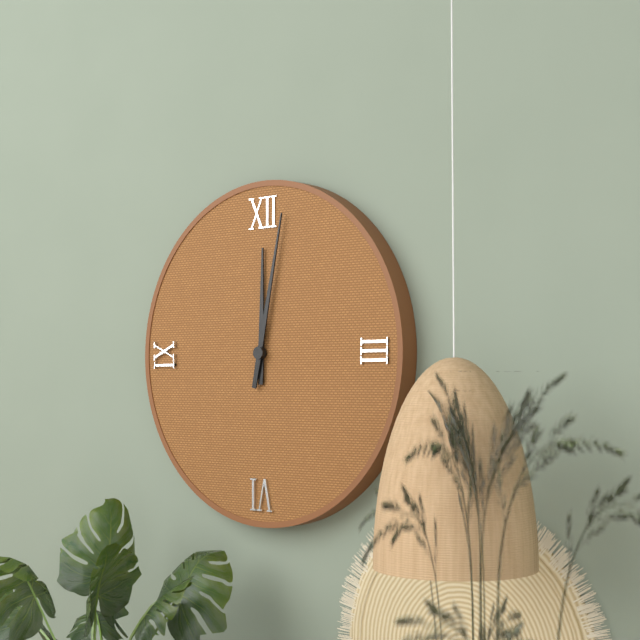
12:02
